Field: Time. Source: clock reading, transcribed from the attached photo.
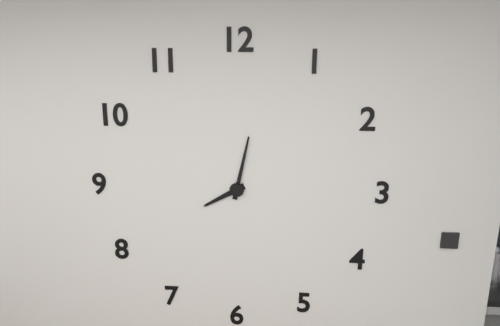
8:02
